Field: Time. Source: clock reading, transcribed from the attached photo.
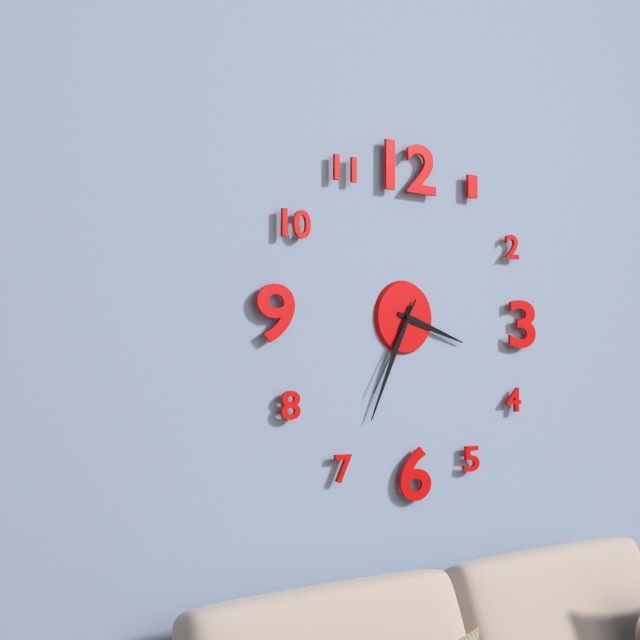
3:34:35
